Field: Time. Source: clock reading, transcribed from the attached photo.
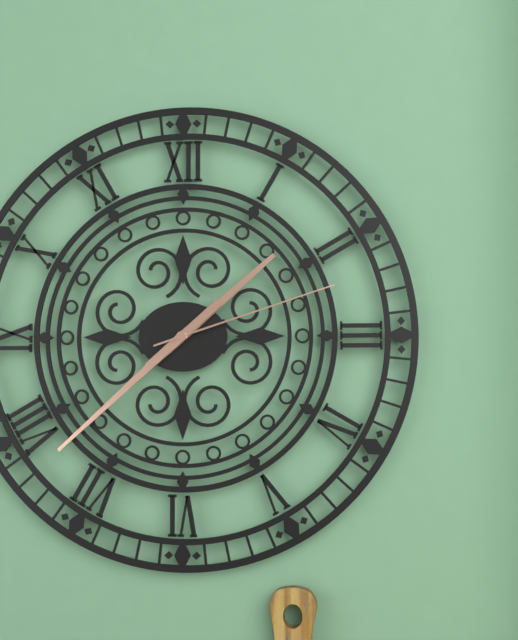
1:38:12
